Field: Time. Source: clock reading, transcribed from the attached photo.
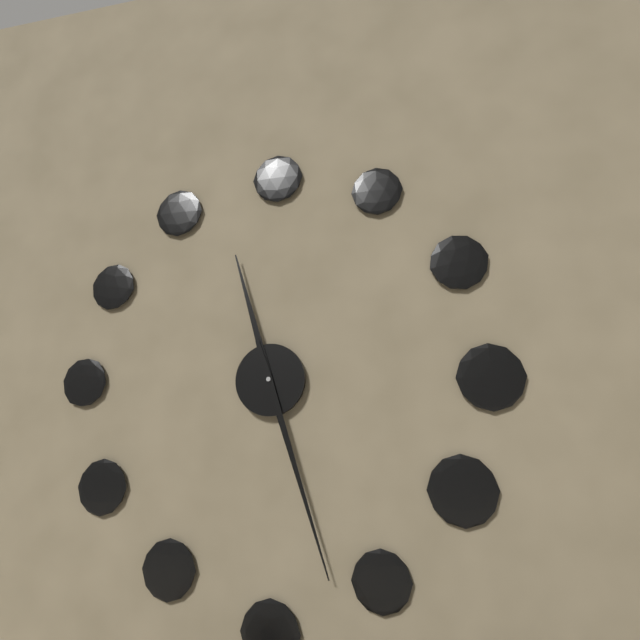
11:27
